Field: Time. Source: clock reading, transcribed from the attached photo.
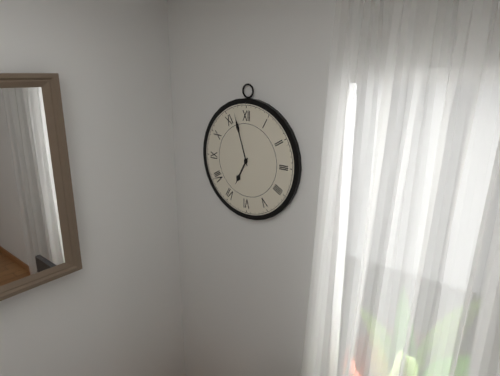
6:57
